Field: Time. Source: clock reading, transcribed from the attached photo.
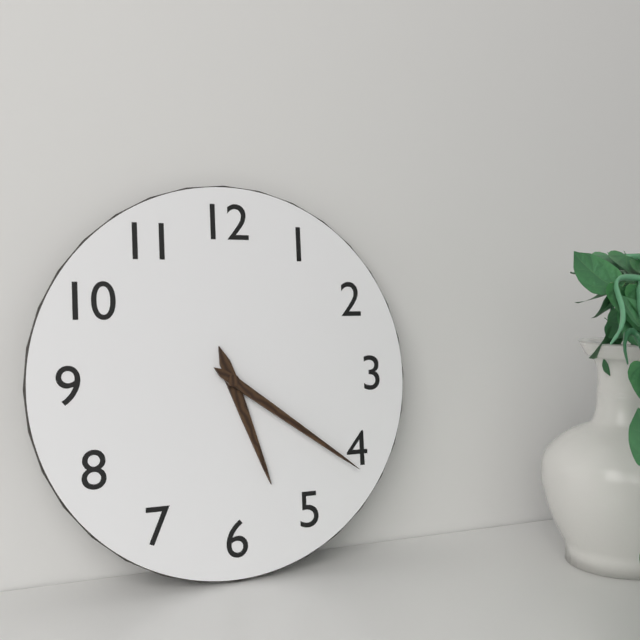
5:21
